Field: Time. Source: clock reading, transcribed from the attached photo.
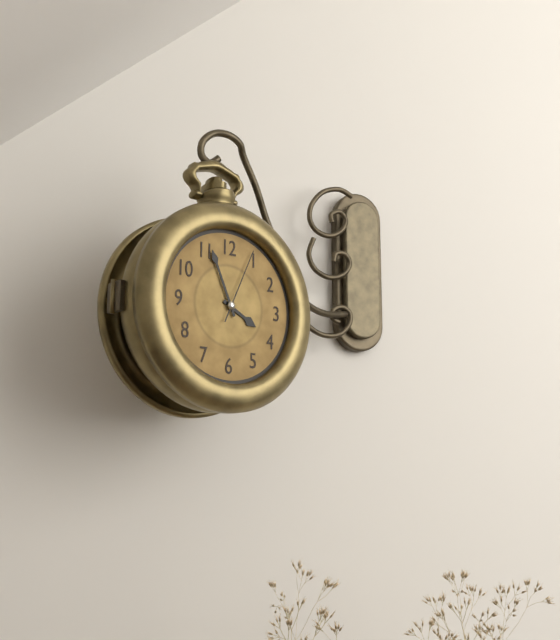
3:56:04
